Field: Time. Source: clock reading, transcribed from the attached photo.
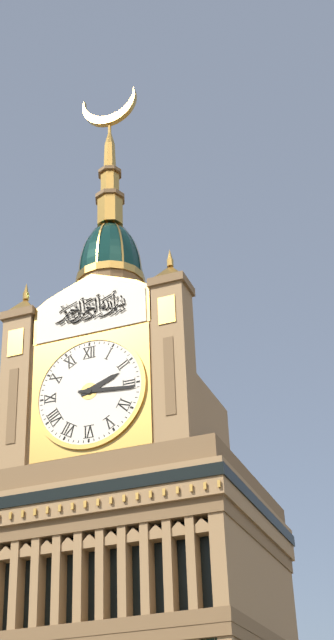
2:16
